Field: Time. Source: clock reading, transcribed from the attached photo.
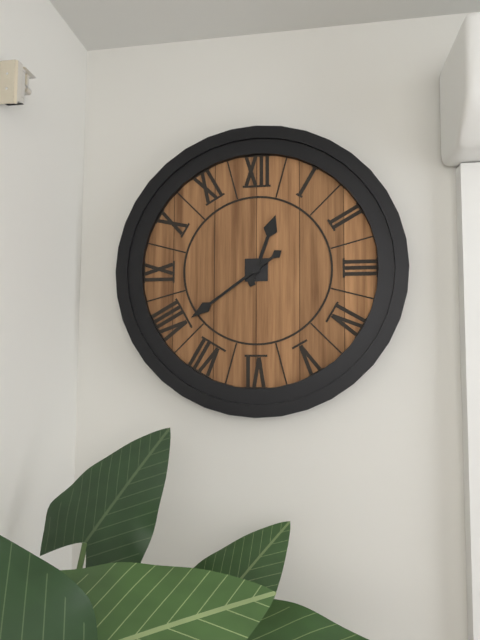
12:39
